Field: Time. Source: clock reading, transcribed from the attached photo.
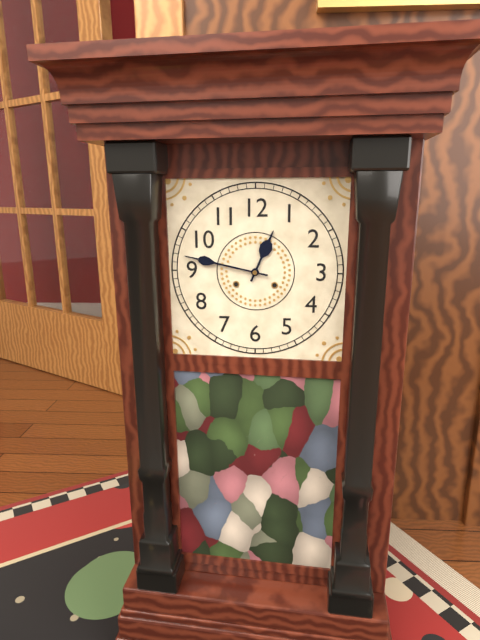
12:47
